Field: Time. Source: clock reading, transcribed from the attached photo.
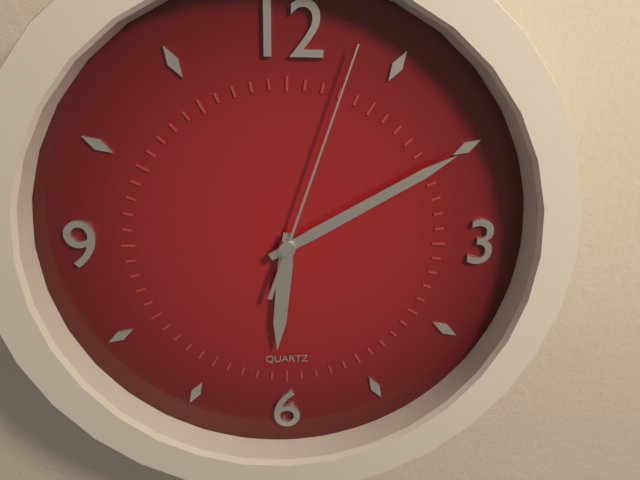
6:10:03
